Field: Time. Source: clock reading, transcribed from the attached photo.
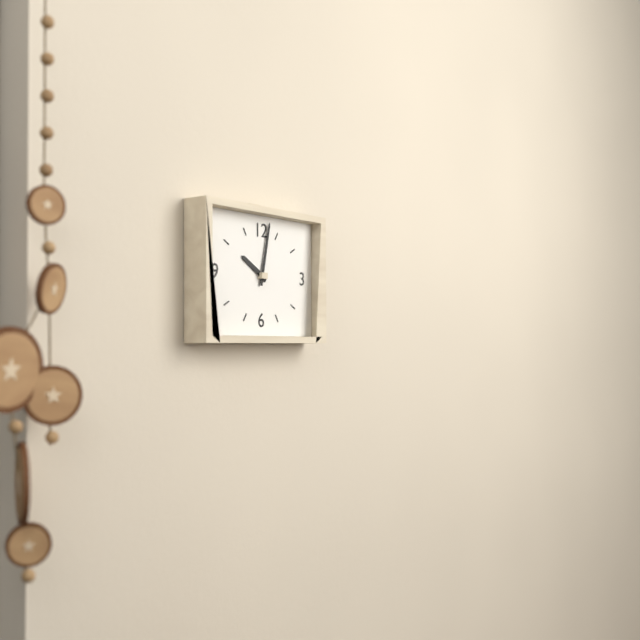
10:02
